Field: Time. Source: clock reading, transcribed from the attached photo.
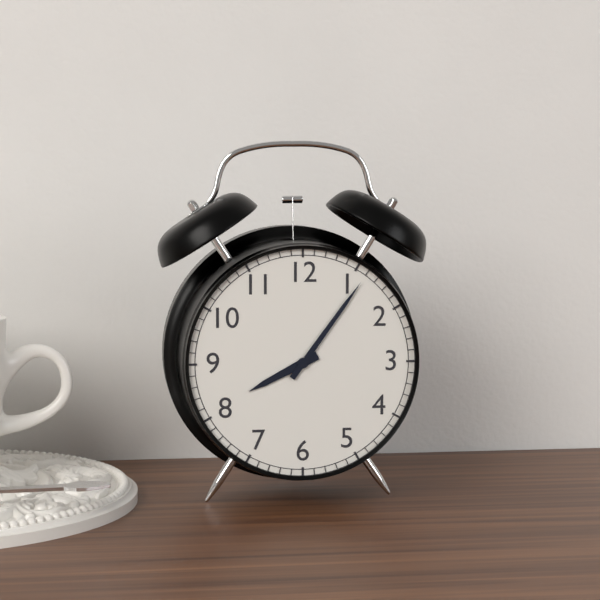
8:06
